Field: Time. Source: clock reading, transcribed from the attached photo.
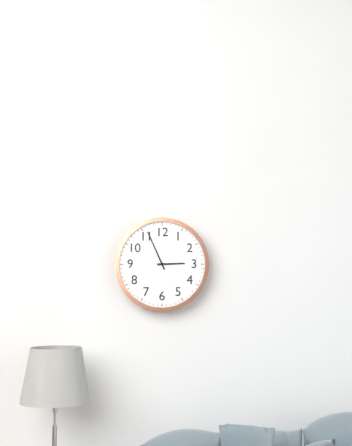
2:56
